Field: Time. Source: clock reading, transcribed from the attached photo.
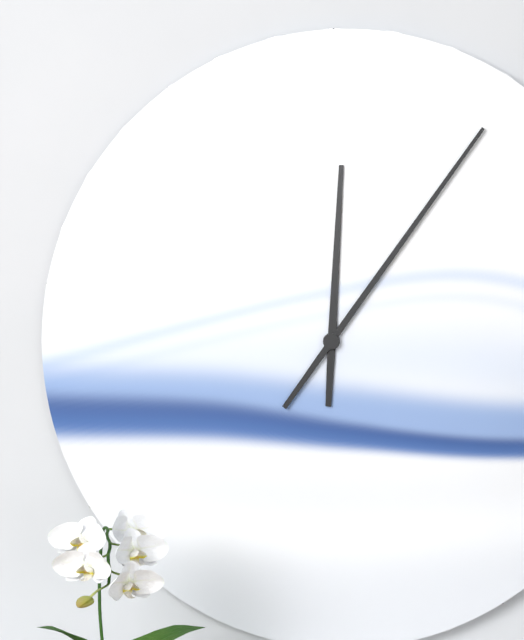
12:06
